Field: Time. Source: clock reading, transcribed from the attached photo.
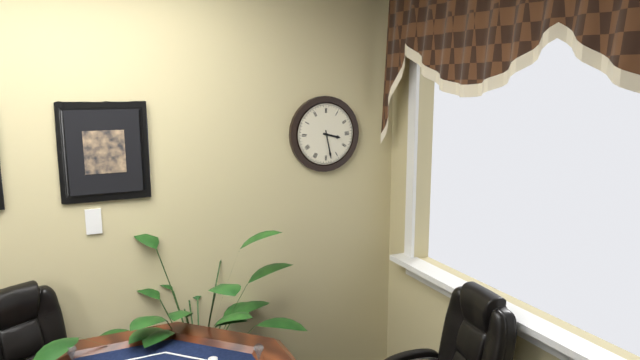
3:28
